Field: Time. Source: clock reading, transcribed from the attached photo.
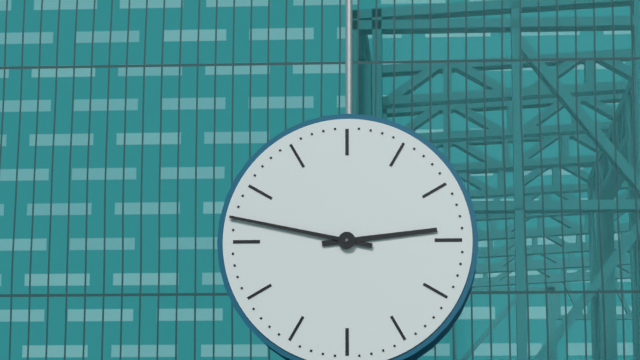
2:47
